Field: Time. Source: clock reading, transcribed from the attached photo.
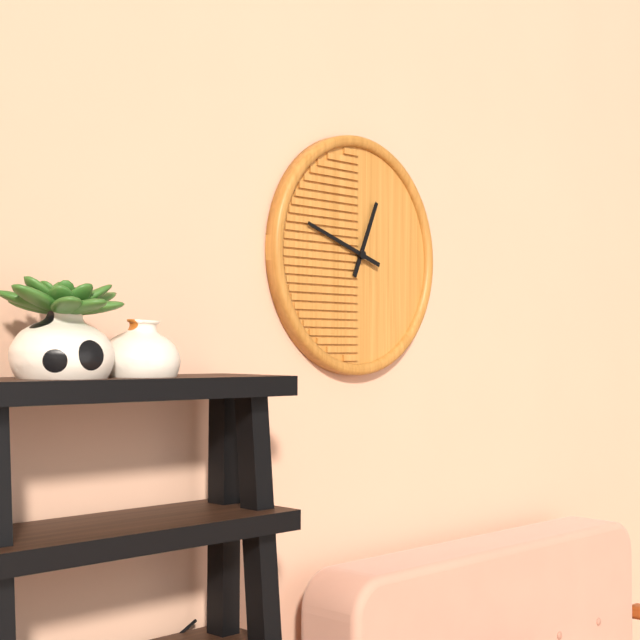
12:48
